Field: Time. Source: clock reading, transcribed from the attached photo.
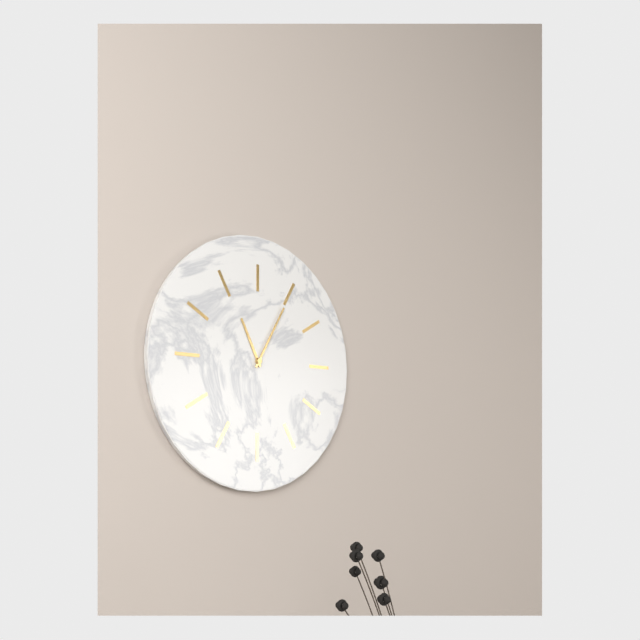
11:05
